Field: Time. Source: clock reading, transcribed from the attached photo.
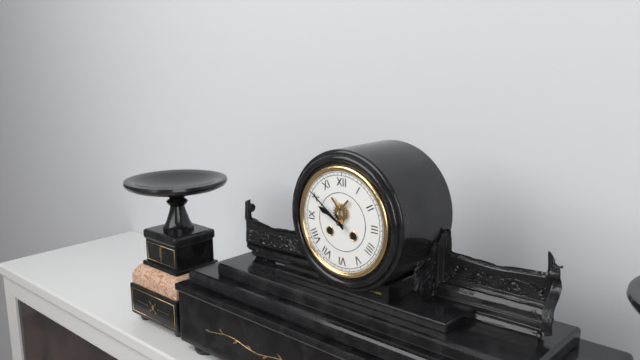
9:51
